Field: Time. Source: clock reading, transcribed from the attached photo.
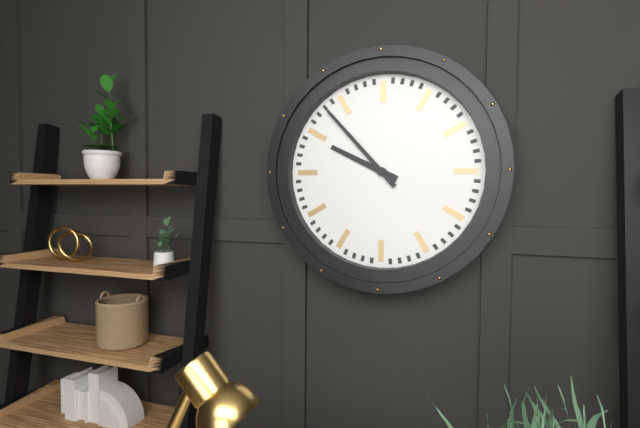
9:53
